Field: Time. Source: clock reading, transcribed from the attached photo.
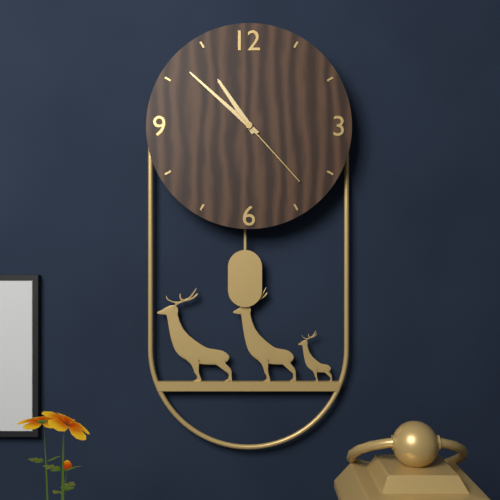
10:52:23
